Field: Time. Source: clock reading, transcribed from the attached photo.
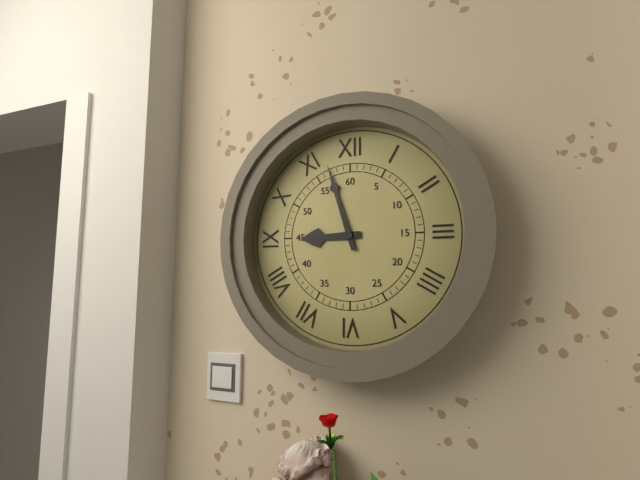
8:57
